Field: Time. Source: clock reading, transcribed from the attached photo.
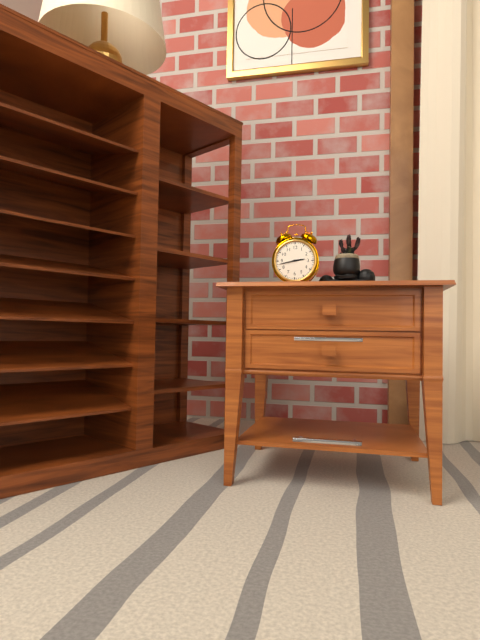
2:43
